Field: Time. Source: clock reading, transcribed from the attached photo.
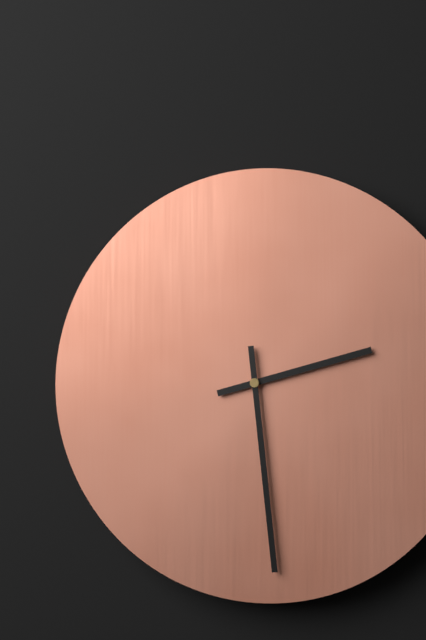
2:29
